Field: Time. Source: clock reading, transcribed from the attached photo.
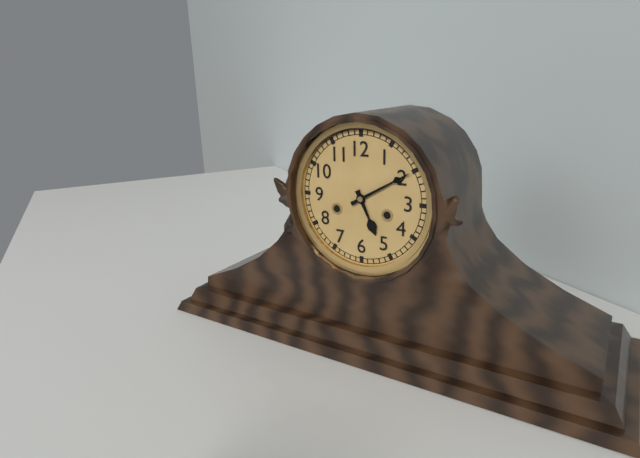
5:10
